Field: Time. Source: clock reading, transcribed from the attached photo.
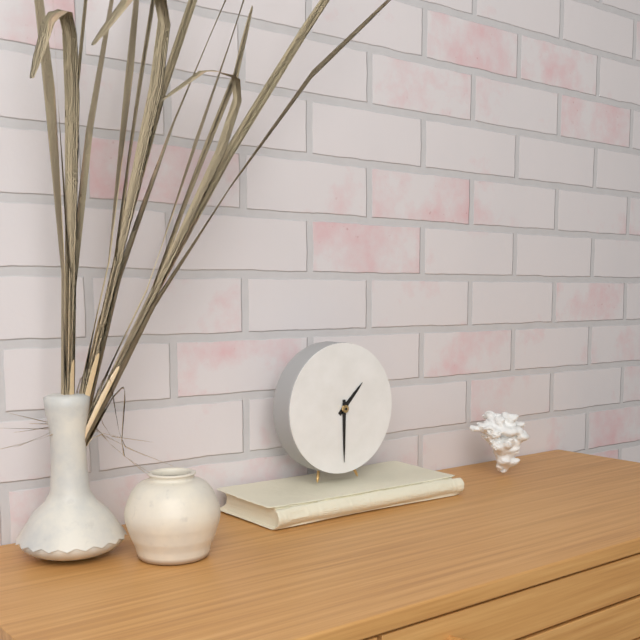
1:30
